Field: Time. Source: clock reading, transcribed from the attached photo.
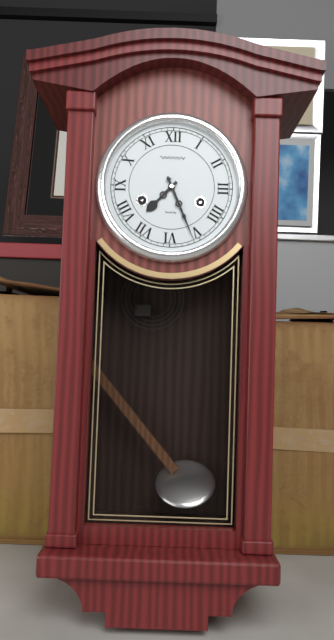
7:26
